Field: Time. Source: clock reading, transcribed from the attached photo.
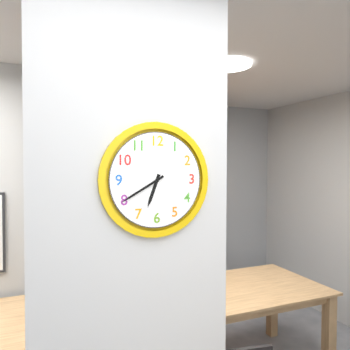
6:40
